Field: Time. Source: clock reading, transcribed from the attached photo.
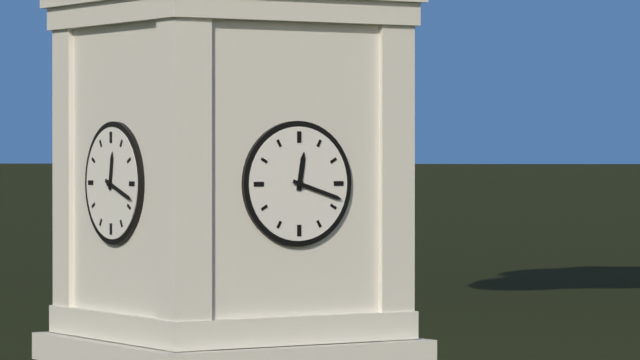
12:18
